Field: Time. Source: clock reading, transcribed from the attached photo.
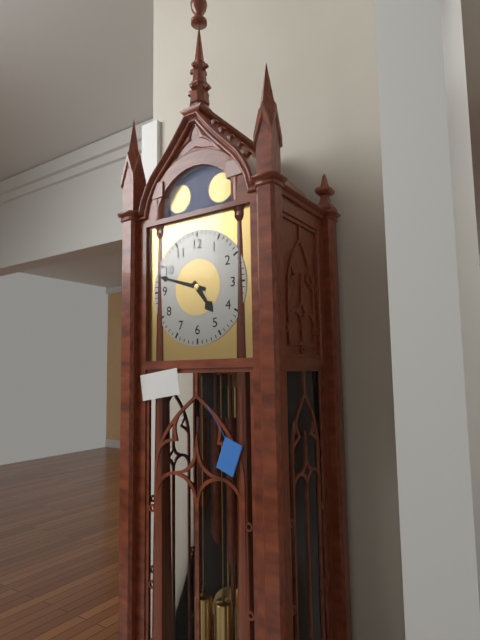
4:48
